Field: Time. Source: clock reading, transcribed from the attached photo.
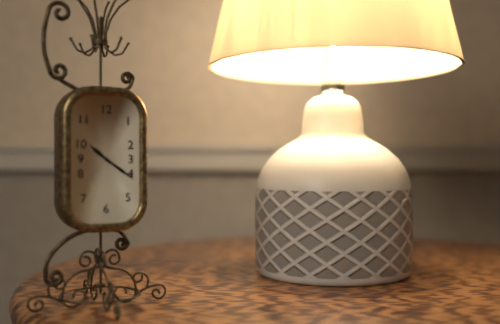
10:21
